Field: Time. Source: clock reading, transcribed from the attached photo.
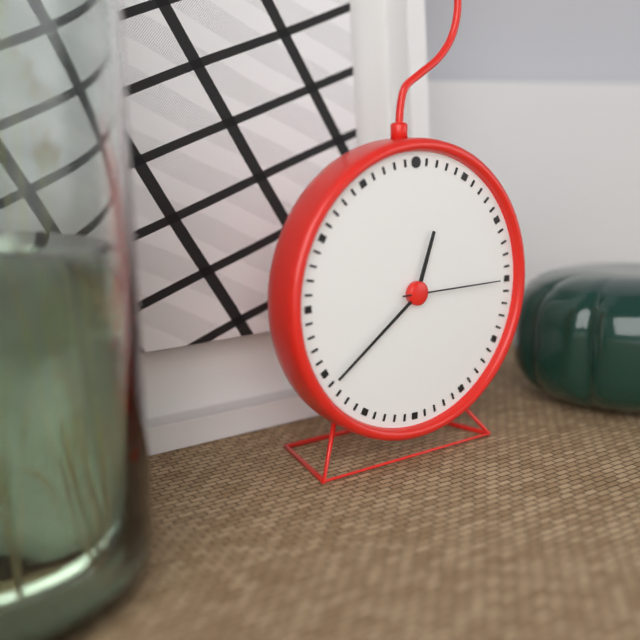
12:39:15
